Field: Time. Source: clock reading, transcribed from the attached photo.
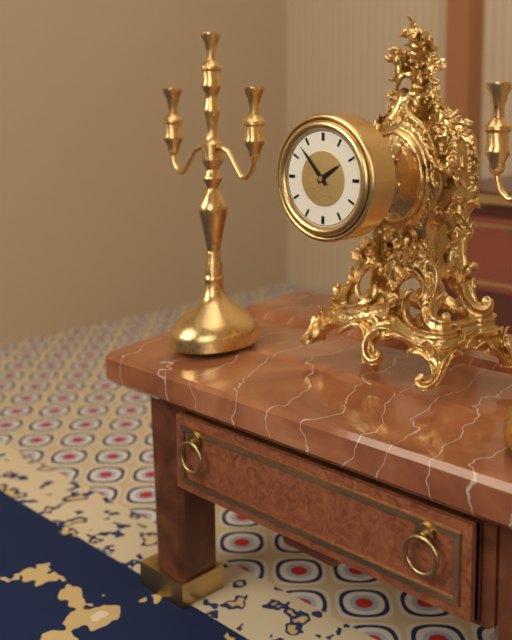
1:53
